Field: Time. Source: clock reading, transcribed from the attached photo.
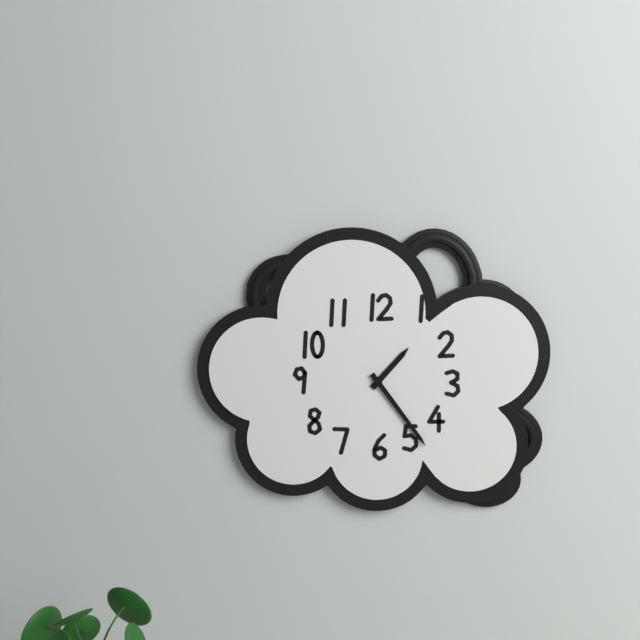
1:24
